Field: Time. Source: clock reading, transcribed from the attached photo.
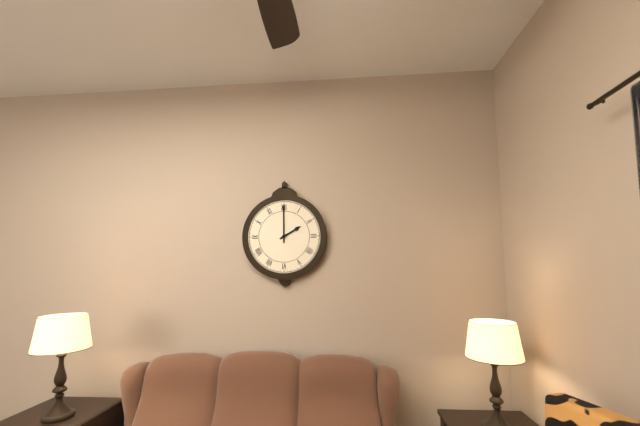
2:00
